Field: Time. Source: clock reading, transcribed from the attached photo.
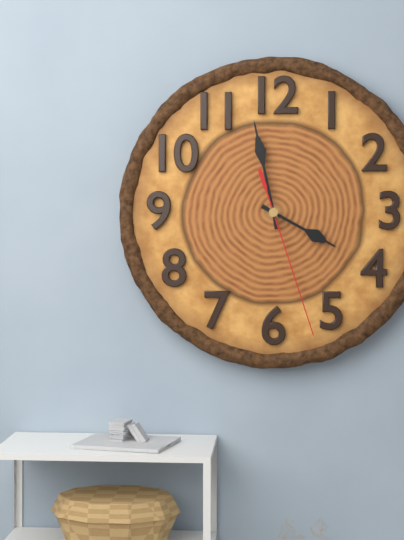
3:58:27
